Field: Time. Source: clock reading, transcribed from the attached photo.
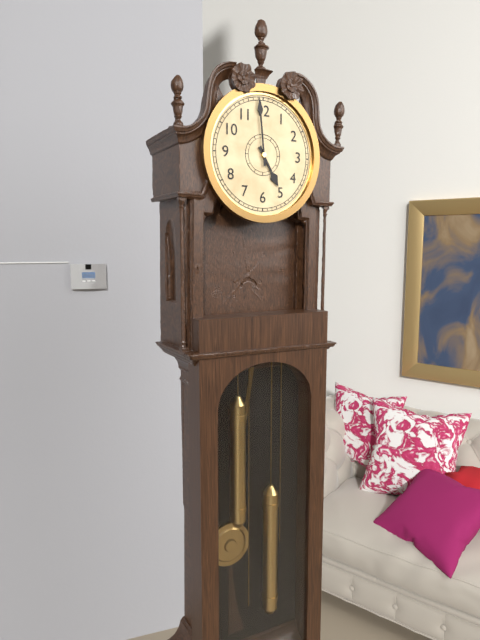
4:59
